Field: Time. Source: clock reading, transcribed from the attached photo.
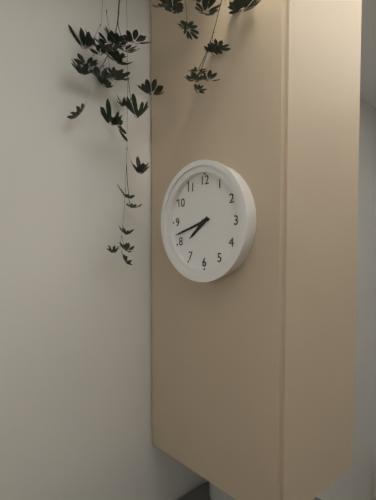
7:42
